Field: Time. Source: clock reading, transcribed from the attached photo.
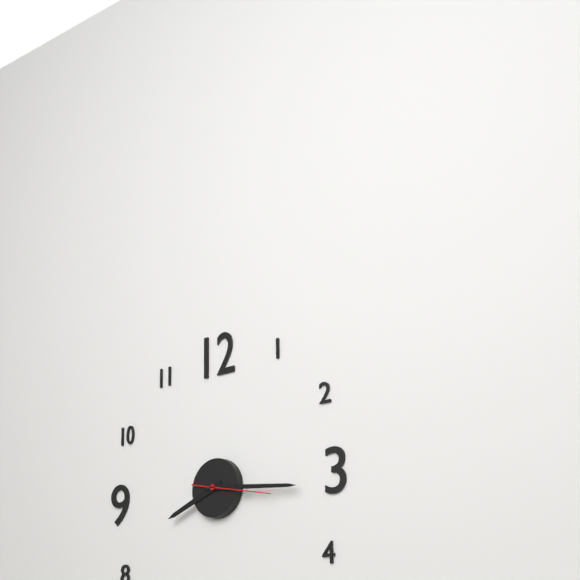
8:16:17
